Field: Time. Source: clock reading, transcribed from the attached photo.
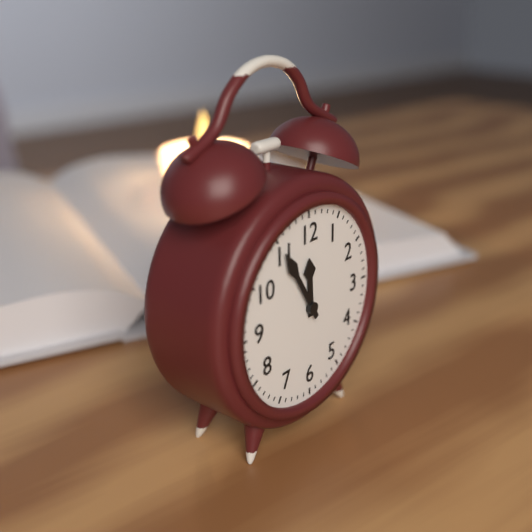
11:55
